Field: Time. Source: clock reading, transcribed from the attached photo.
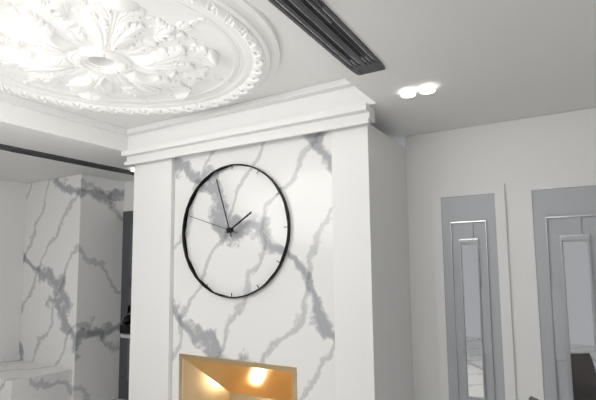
1:57:48
